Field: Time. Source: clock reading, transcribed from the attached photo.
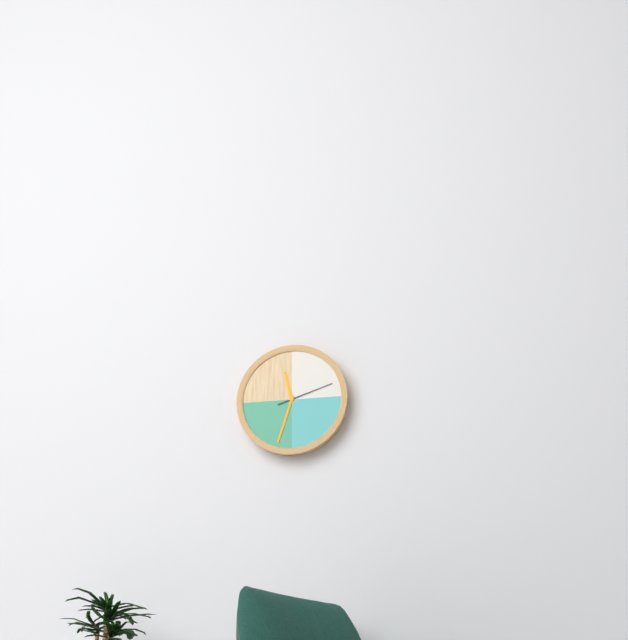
11:33:12
